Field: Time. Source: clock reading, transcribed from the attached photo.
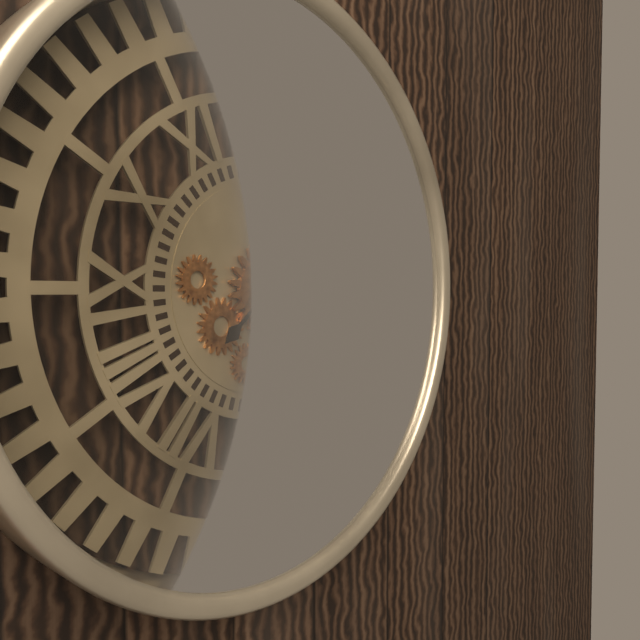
1:08
